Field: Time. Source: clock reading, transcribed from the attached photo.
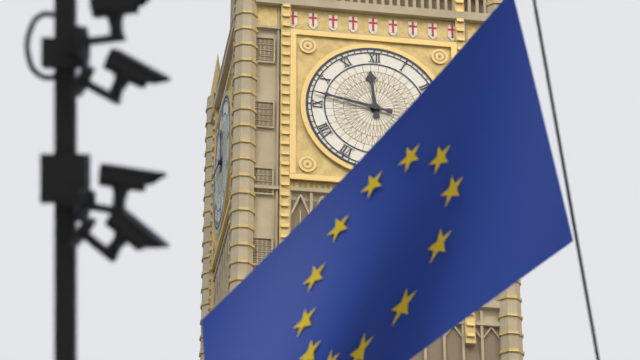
11:47
